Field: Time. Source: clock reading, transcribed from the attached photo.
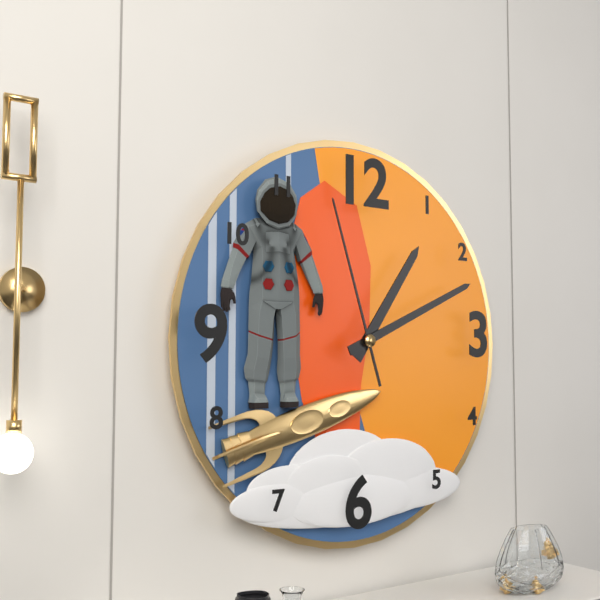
1:11:57
